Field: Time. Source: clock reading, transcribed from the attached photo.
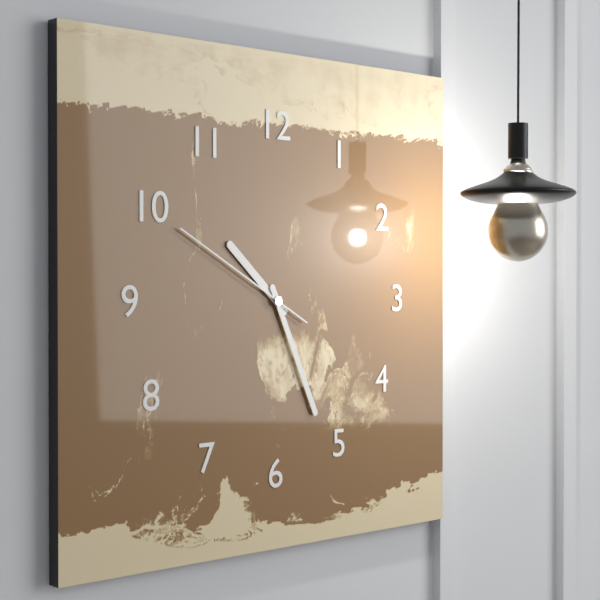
10:26:50
